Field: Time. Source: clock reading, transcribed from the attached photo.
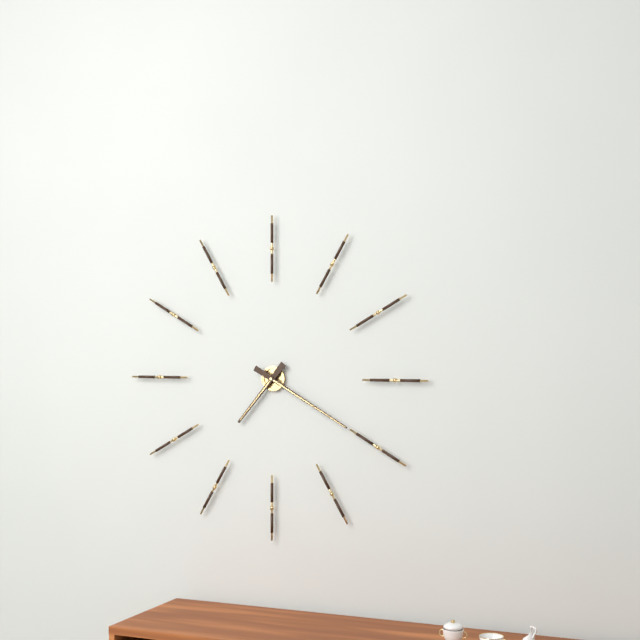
7:20
